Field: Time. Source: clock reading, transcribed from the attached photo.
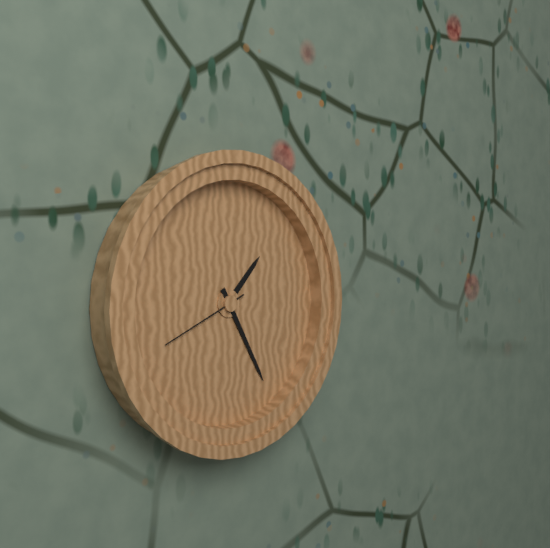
1:25:41
